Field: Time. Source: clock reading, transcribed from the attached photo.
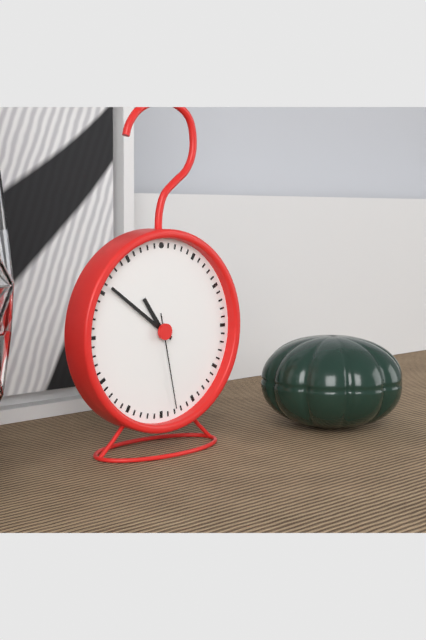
10:51:28
